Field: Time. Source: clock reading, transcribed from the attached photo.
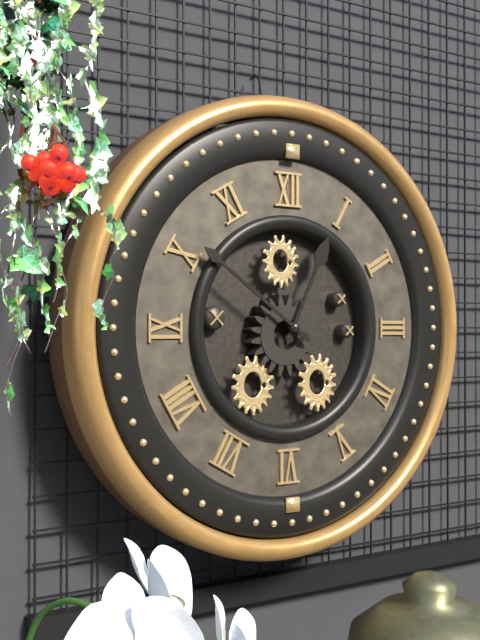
12:51
